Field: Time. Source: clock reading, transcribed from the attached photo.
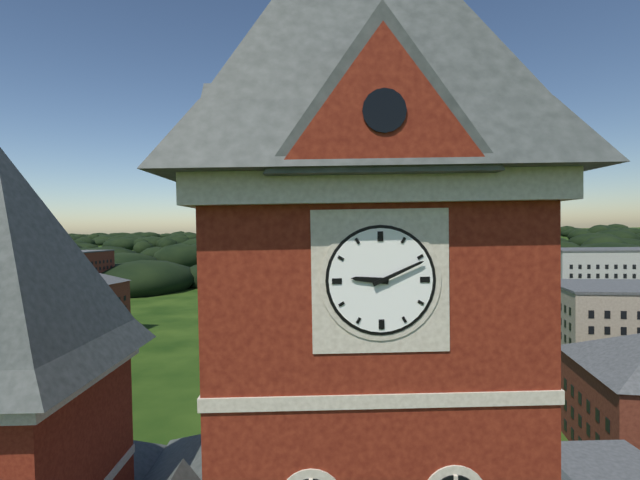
9:11
